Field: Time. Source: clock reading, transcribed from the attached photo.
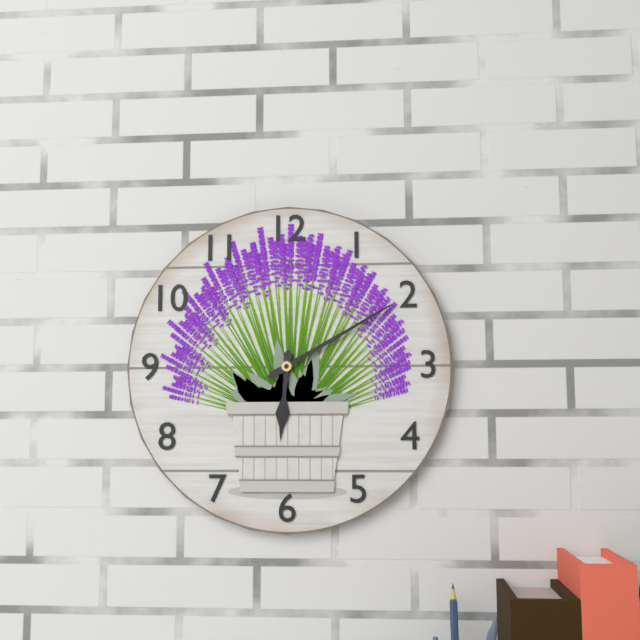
6:10
